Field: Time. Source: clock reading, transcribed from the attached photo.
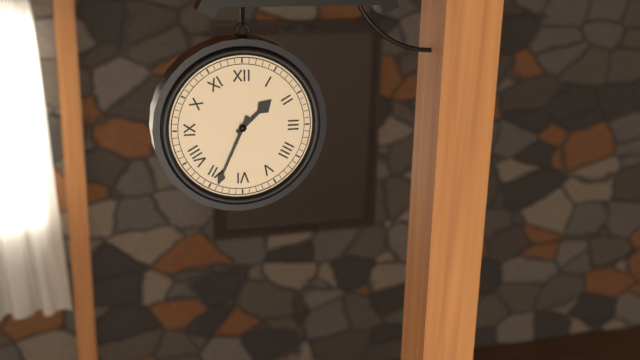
1:34
